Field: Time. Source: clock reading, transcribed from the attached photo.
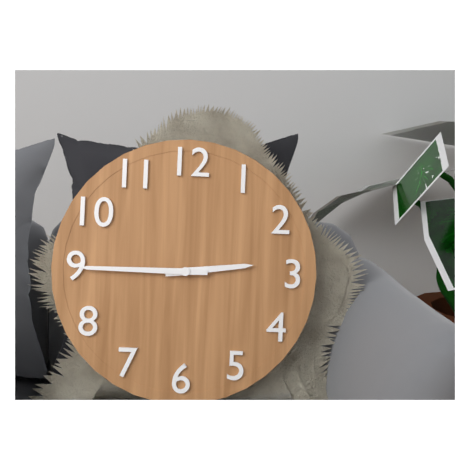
2:45
